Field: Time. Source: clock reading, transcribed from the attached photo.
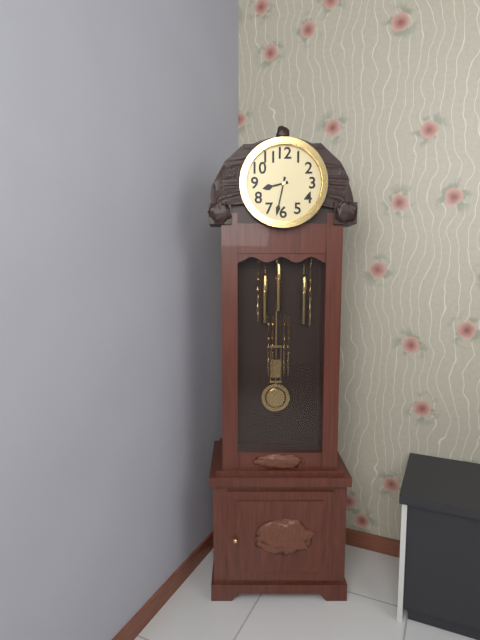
8:32
